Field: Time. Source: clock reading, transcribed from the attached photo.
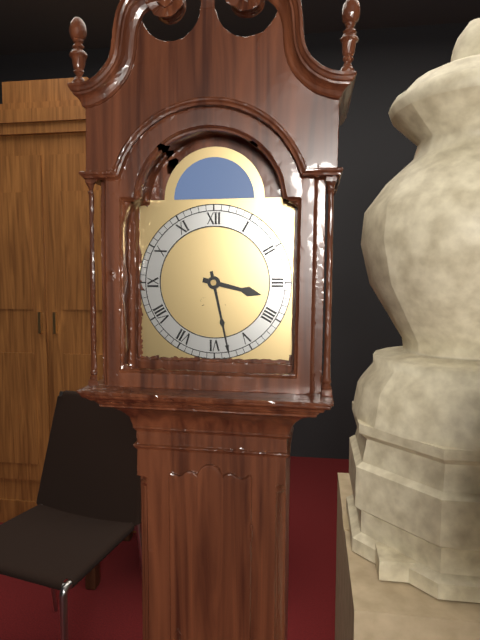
3:28
